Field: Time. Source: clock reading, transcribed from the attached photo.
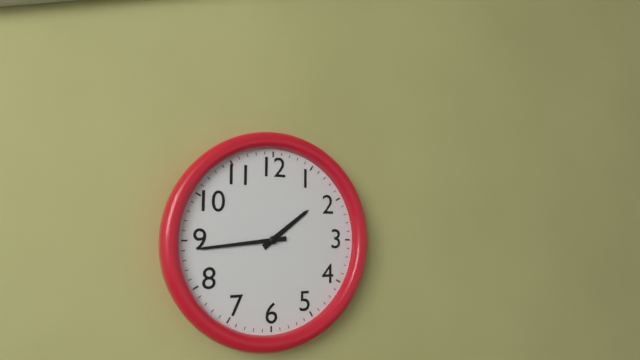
1:44
